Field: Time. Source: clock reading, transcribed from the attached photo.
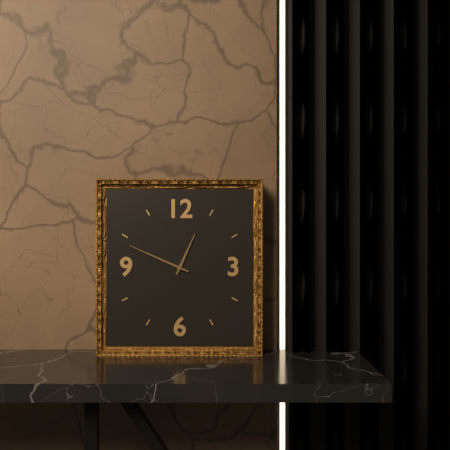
12:49
